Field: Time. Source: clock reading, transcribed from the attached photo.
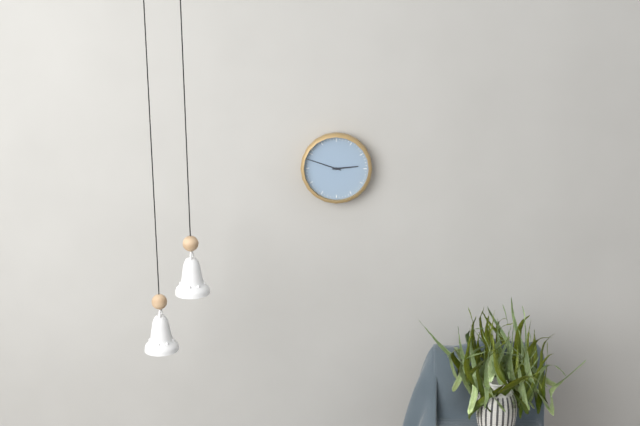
2:48
